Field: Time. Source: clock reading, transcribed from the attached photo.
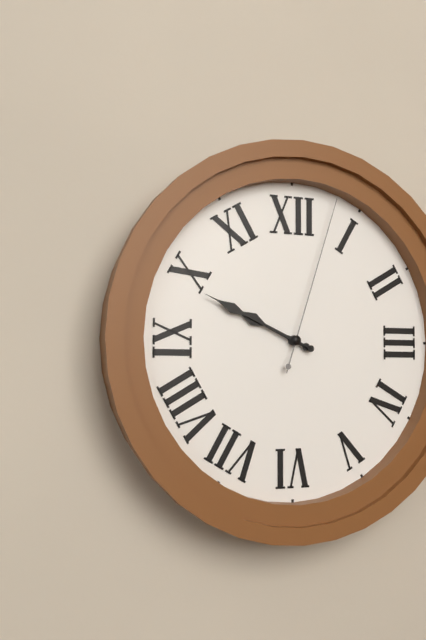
9:49:03
